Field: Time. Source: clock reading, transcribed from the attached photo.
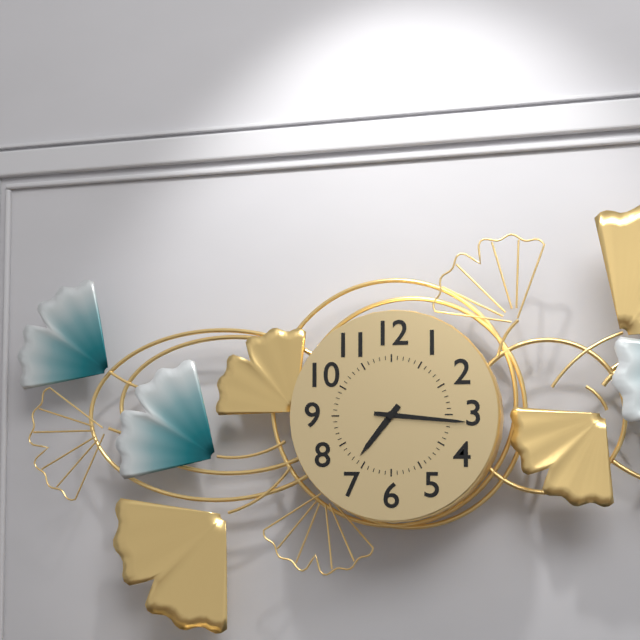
7:16
